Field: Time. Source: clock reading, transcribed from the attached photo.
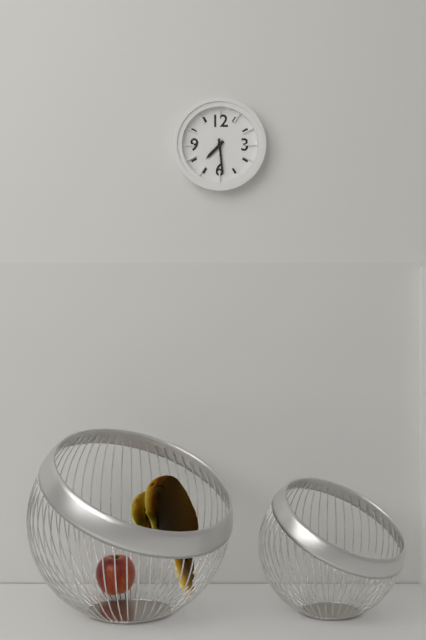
7:29
